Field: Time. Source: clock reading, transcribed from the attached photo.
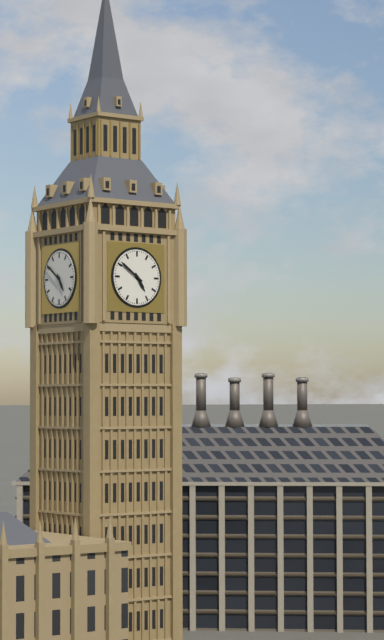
4:51
